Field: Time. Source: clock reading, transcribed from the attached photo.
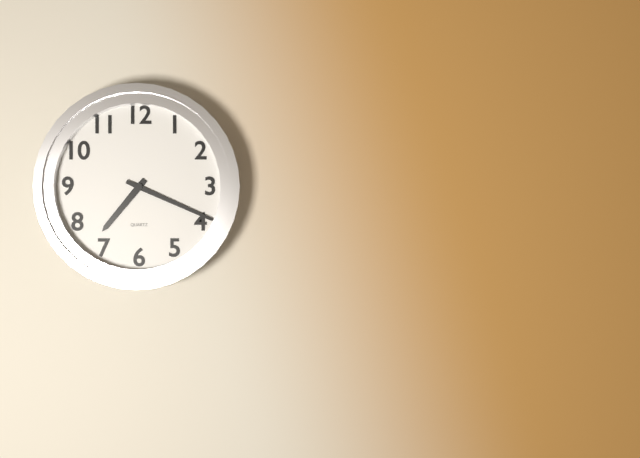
7:19
